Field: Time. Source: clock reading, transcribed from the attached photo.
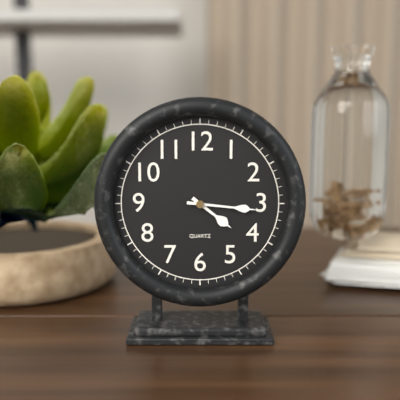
4:16
